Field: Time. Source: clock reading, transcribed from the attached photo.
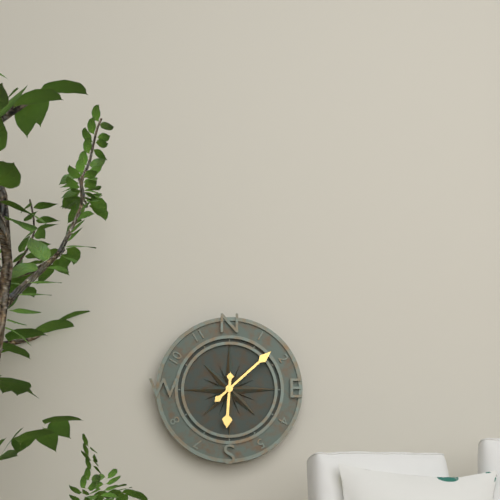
6:08
